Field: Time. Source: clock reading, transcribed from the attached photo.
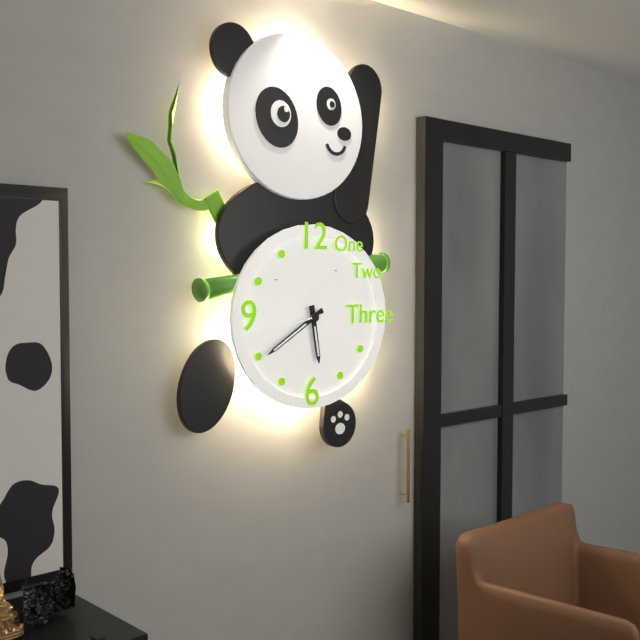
5:40:43
